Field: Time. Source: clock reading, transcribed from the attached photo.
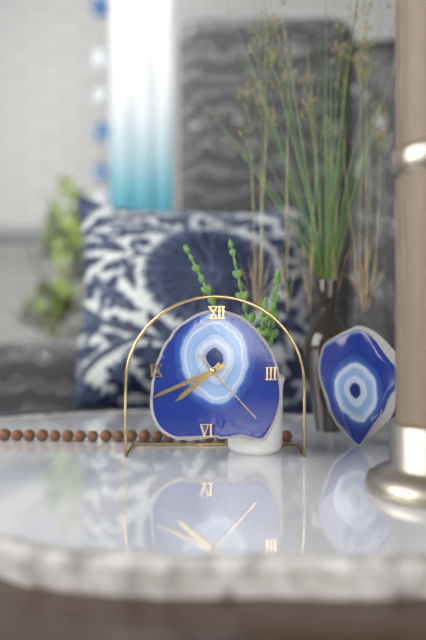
7:41:23
